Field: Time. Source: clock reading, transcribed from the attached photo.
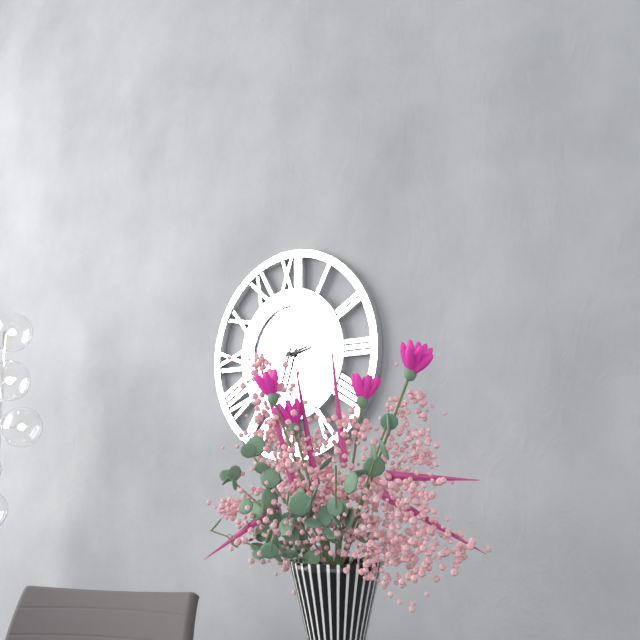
2:33
